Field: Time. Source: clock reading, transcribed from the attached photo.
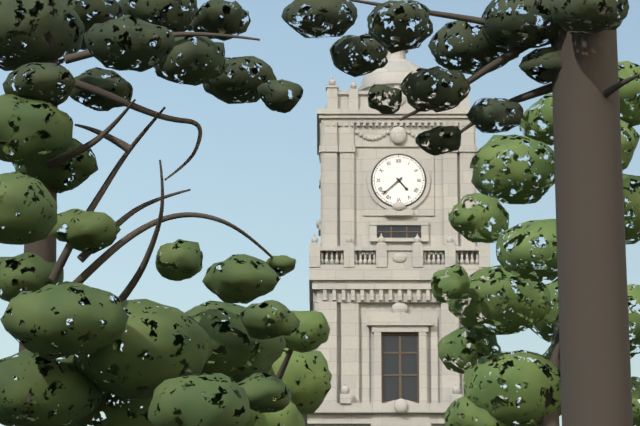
4:38
